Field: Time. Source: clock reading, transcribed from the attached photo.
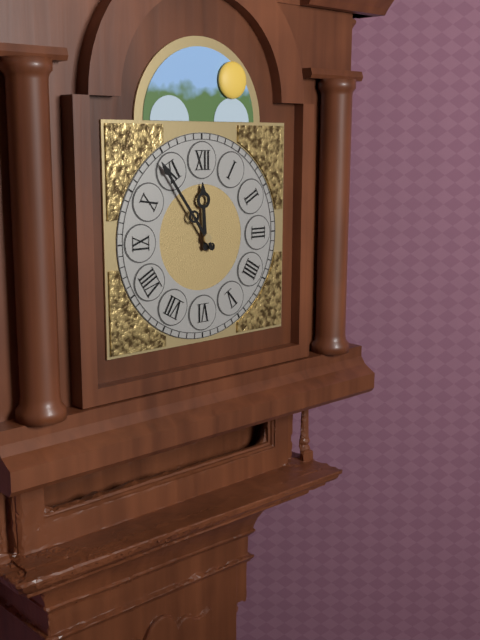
11:54
